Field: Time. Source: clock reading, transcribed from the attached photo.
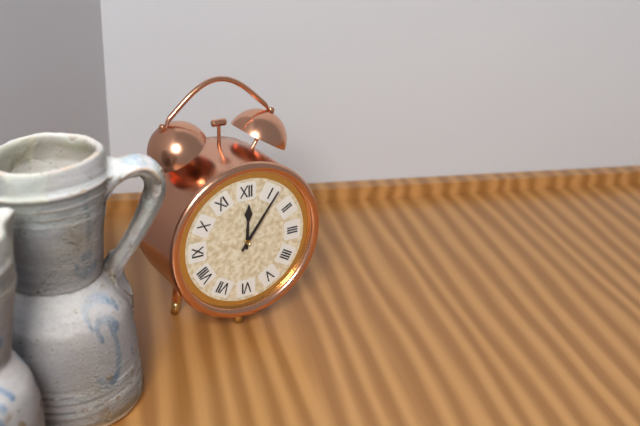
12:06
